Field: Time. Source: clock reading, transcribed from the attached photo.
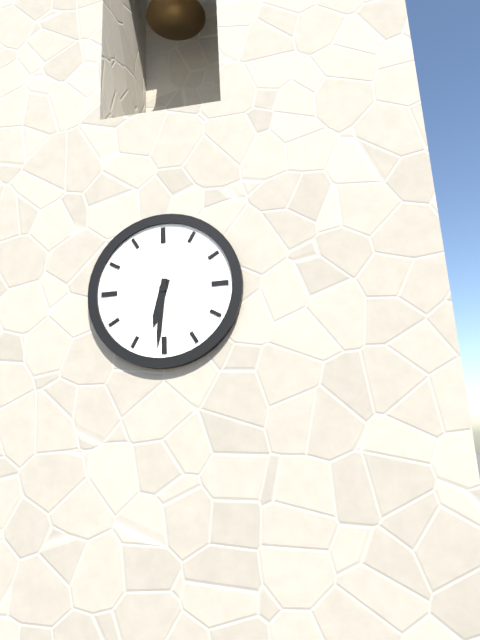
6:31
